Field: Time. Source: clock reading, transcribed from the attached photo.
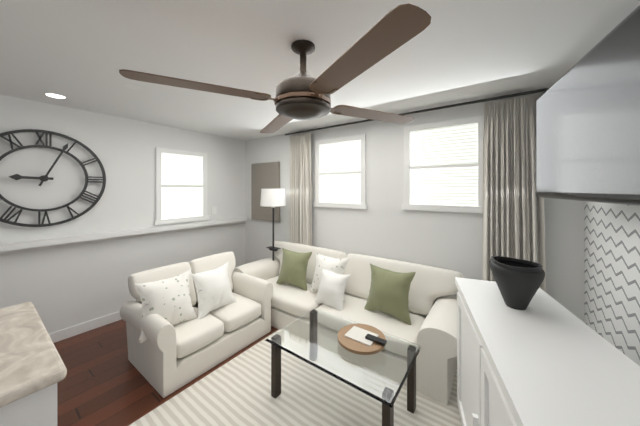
9:04
